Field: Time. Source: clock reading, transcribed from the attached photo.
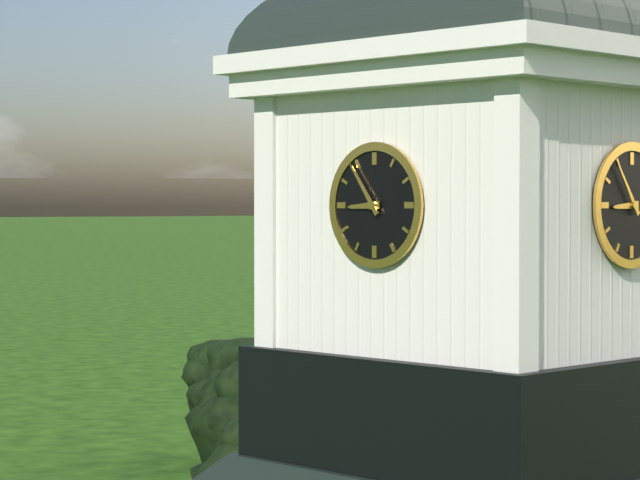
8:54
